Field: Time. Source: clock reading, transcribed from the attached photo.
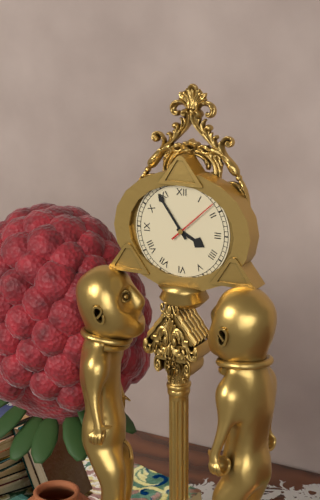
3:54:08
